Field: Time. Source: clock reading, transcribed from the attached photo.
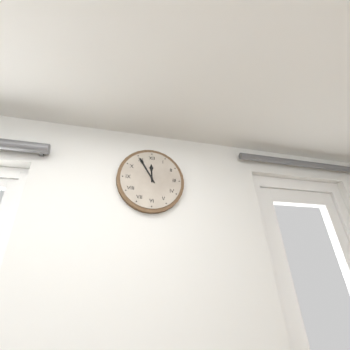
11:55
